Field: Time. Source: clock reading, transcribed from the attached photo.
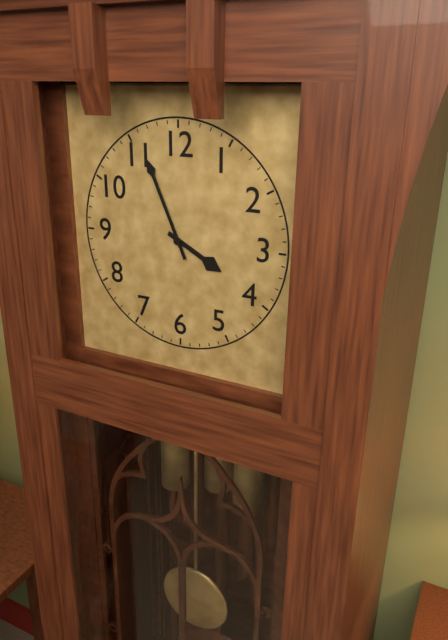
3:56
